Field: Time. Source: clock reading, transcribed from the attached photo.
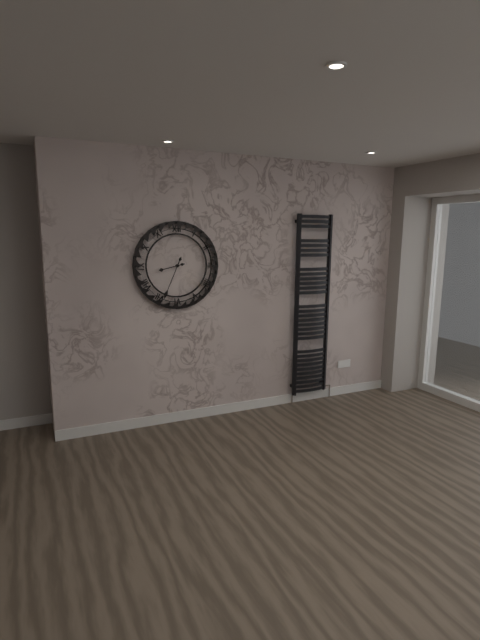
8:34
